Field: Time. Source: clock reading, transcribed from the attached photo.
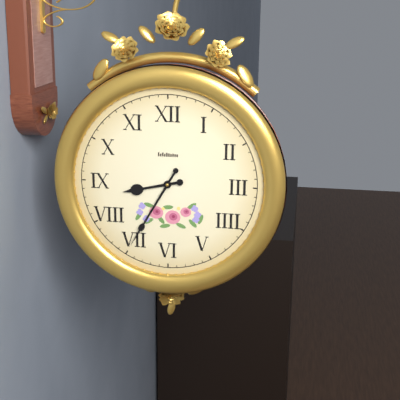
8:35
